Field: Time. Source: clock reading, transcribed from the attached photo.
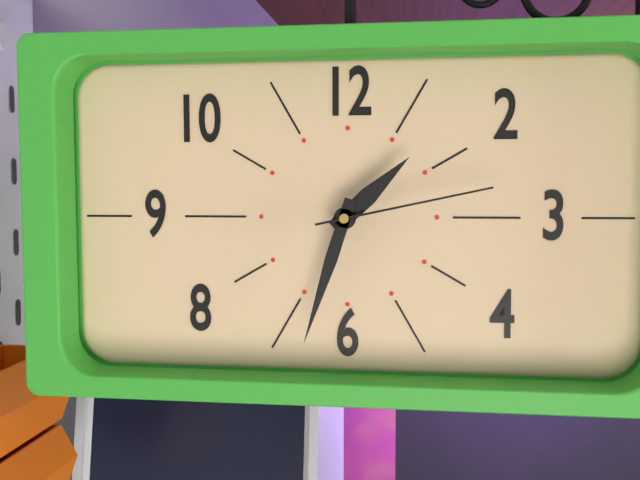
1:33:13
